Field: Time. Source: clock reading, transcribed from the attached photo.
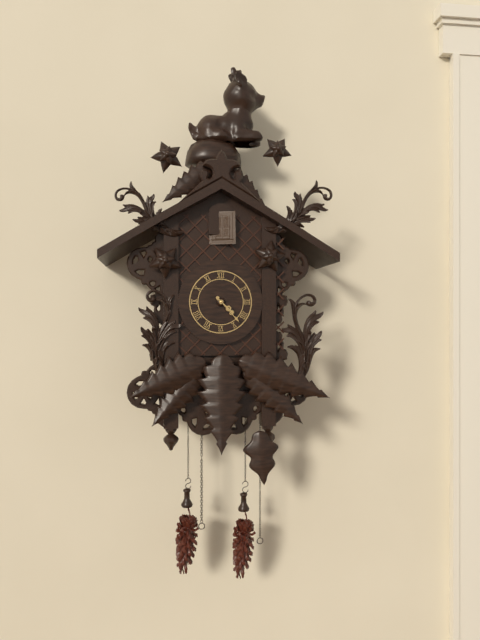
4:23
